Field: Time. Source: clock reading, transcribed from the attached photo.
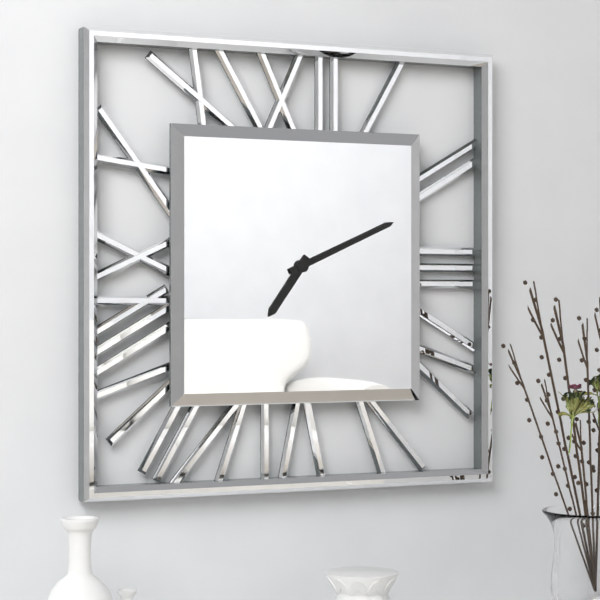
7:11
